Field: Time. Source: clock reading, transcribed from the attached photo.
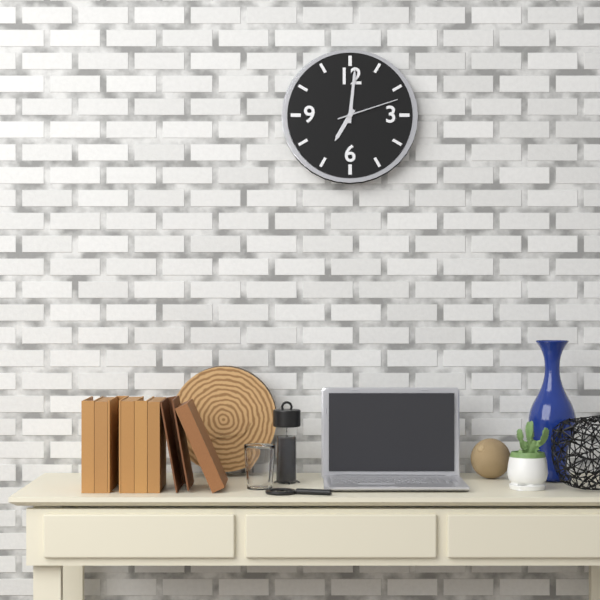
7:01:12
